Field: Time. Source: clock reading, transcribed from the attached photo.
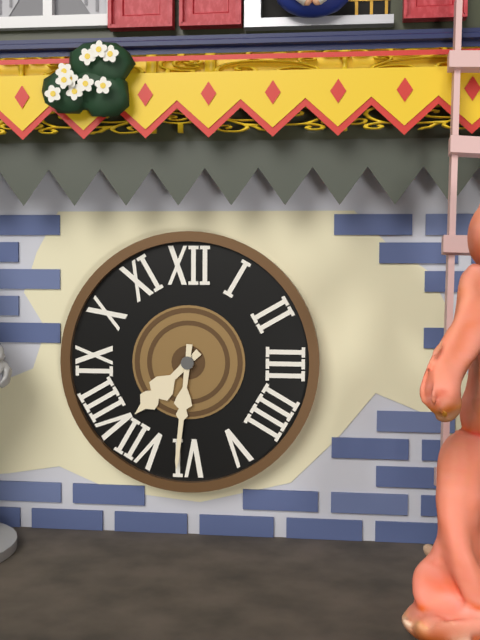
7:31
